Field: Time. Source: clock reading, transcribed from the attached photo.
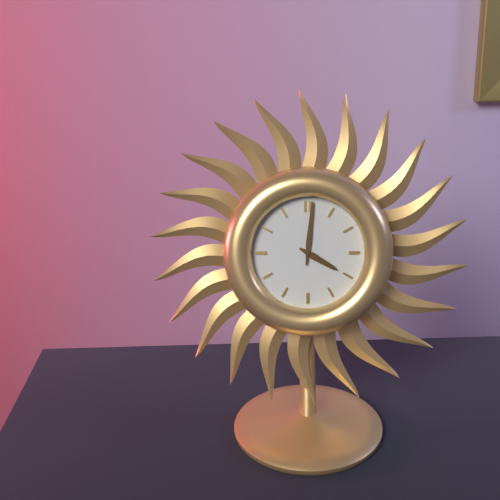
4:01
